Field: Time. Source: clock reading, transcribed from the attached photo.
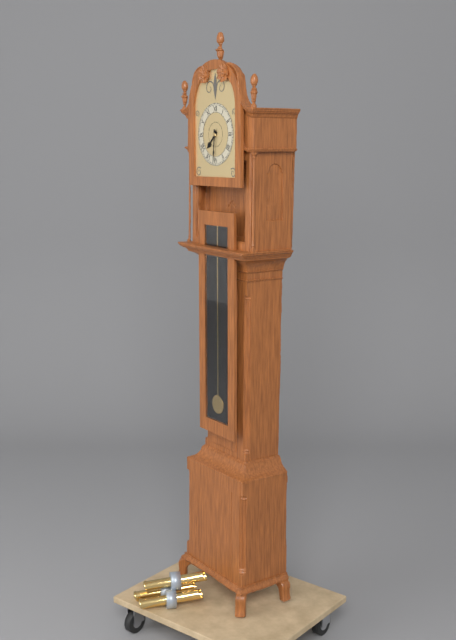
7:31
